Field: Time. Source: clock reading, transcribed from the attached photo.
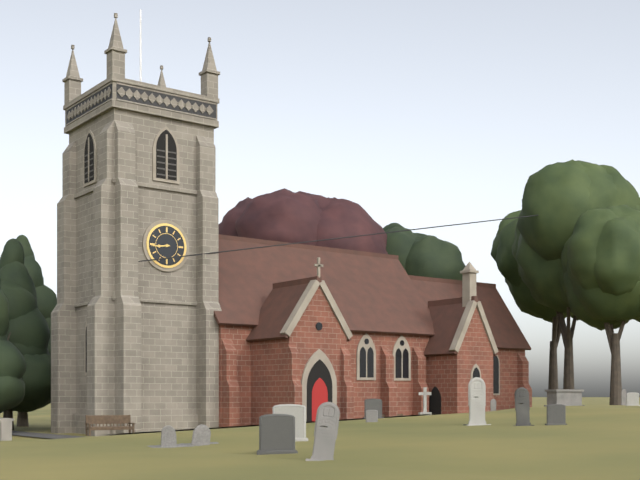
8:44
